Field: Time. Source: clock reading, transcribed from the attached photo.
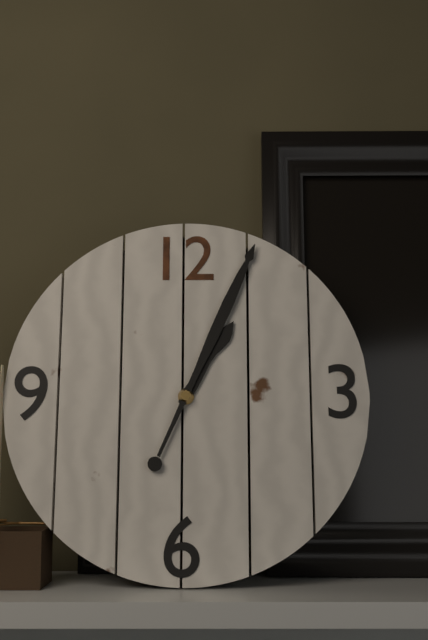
1:04
